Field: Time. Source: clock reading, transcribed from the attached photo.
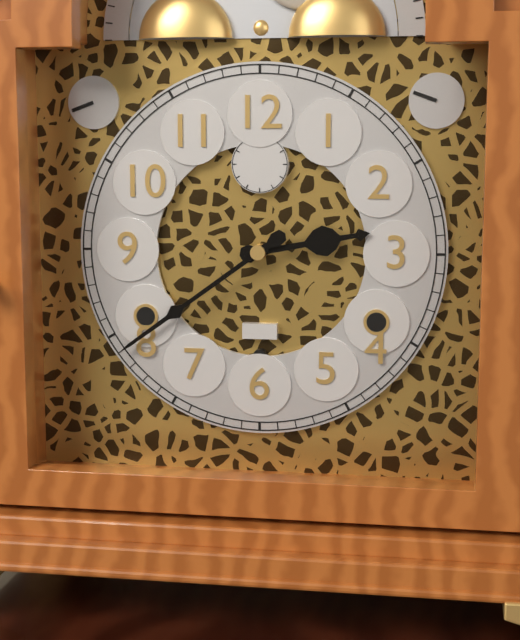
2:39
